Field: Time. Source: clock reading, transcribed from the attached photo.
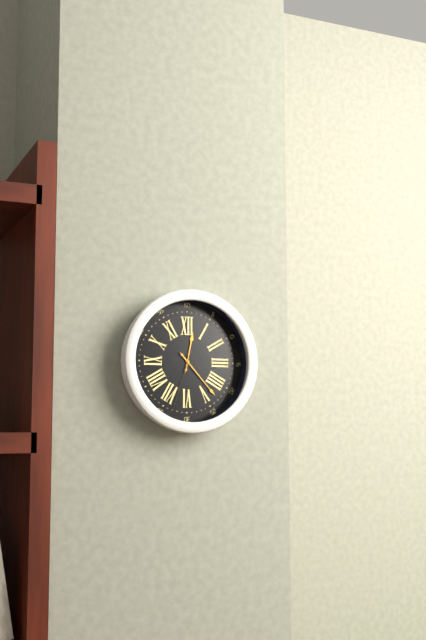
12:23:33
